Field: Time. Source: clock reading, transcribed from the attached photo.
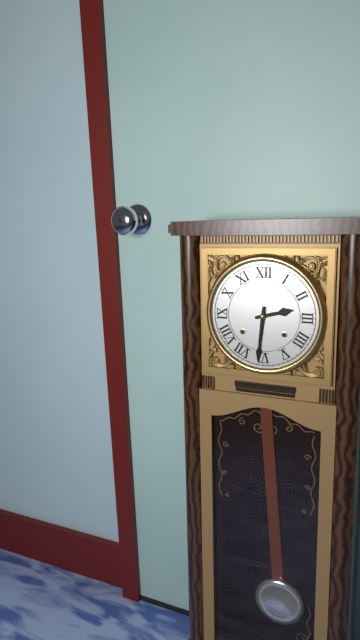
2:31
